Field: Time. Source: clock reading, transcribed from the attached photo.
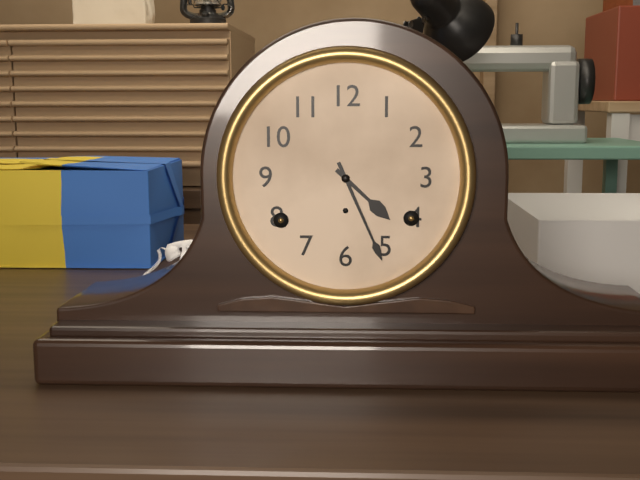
4:26
